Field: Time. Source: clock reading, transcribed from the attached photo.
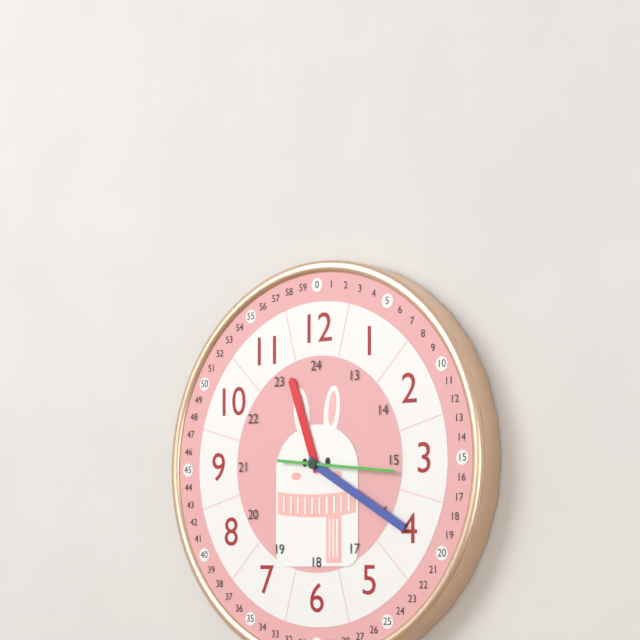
11:20:16
